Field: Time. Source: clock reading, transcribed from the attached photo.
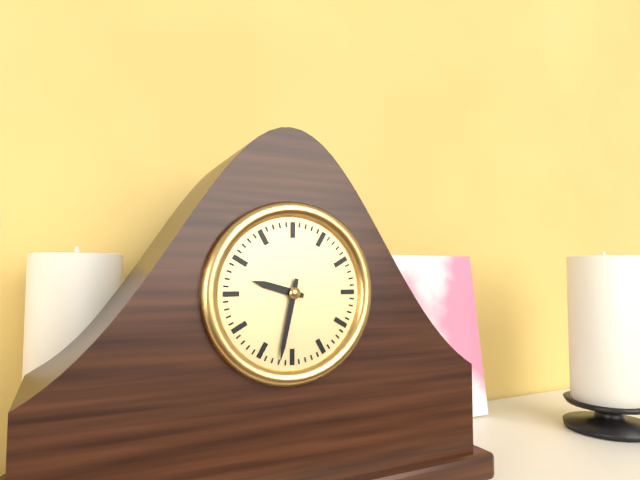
9:32
